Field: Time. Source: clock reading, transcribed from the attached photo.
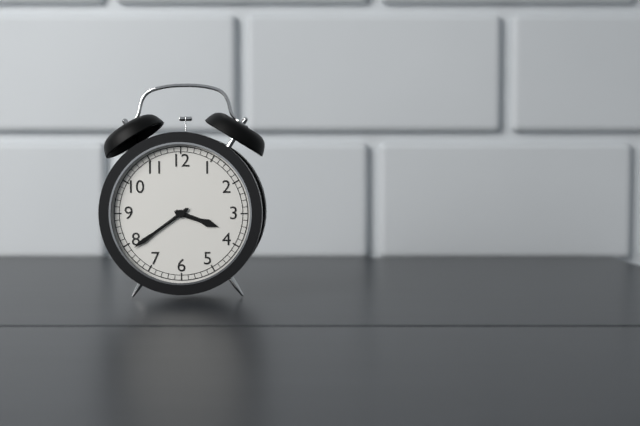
3:39
